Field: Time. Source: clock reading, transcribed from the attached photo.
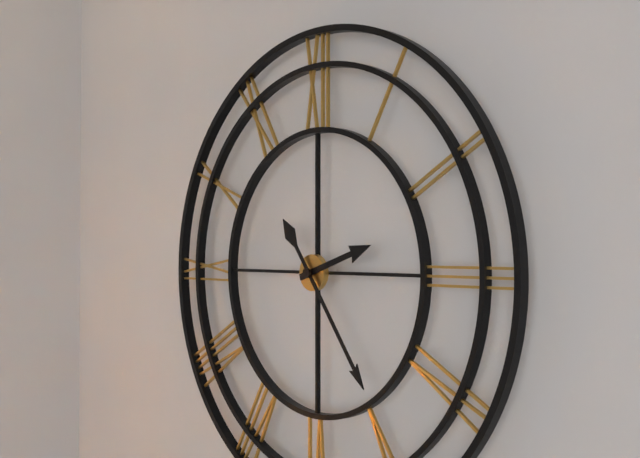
2:24
